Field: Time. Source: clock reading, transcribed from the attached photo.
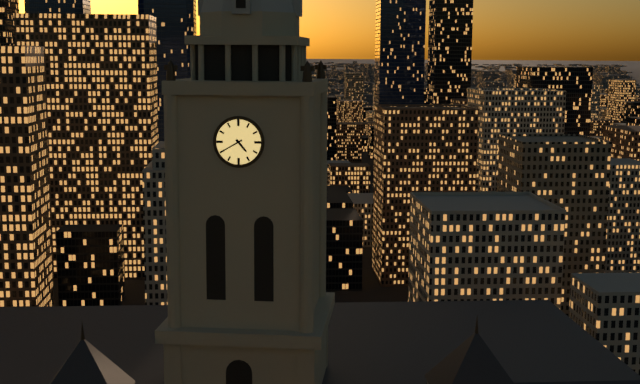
4:40
